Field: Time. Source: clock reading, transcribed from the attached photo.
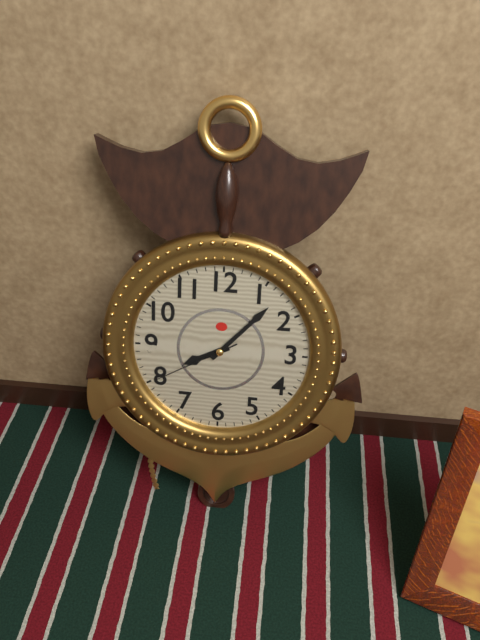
8:07:40
